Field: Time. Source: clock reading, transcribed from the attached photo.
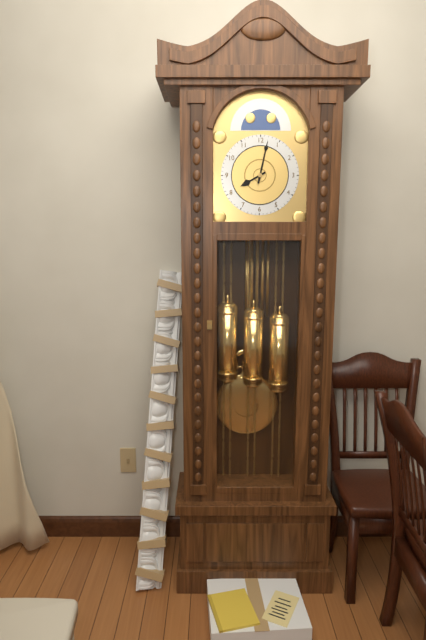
8:02
